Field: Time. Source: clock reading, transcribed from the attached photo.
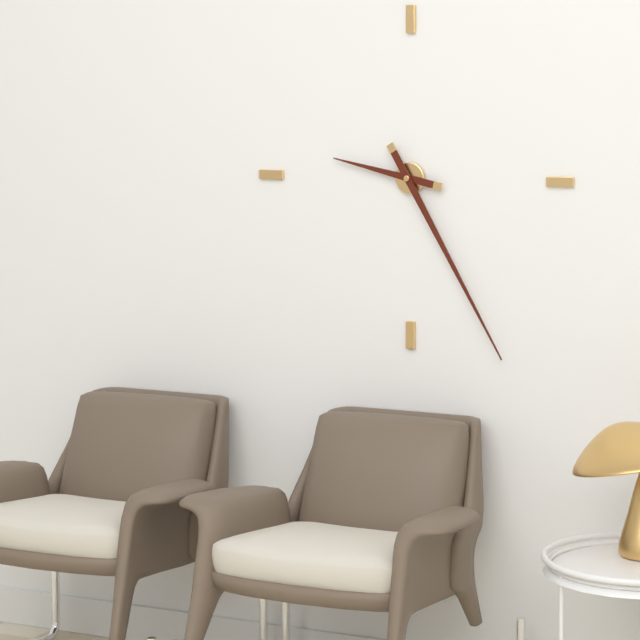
9:25
